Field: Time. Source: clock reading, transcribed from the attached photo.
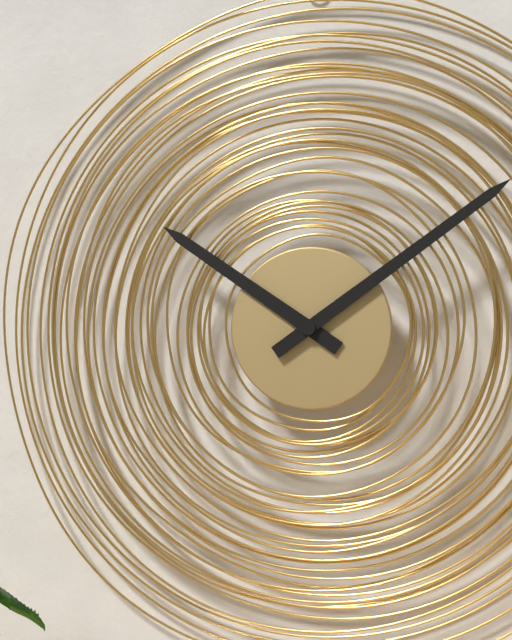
10:09
